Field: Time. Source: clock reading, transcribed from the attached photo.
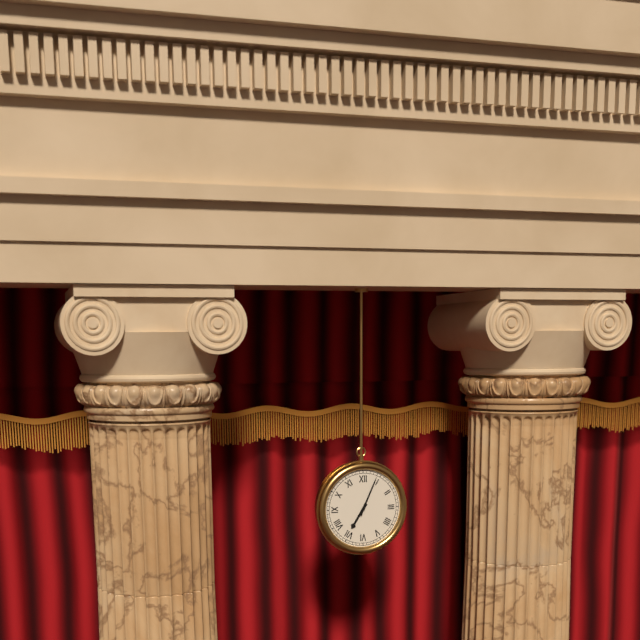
7:04
